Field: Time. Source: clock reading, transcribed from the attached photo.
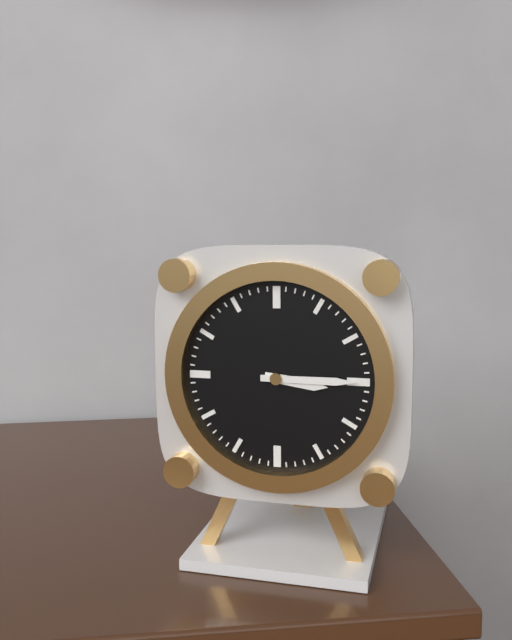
3:15
